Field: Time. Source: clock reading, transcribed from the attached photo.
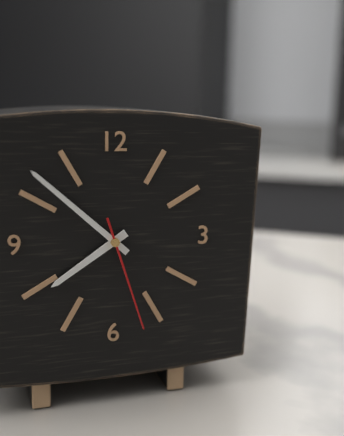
7:52:27
